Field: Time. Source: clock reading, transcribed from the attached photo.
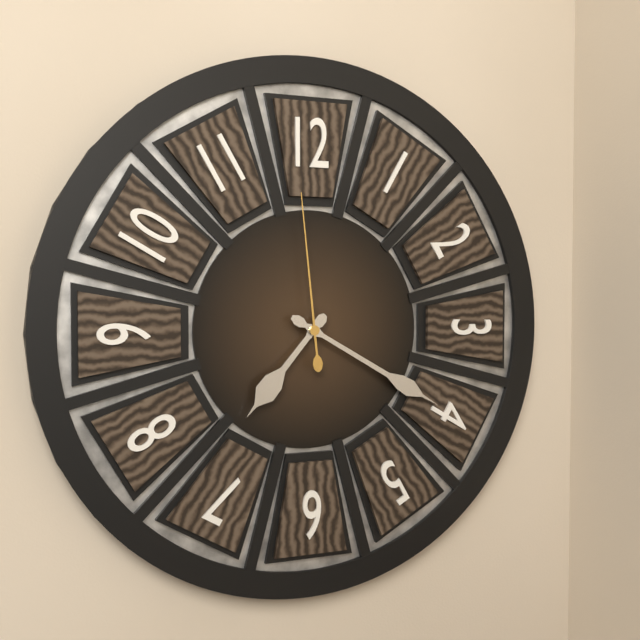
7:20:59
